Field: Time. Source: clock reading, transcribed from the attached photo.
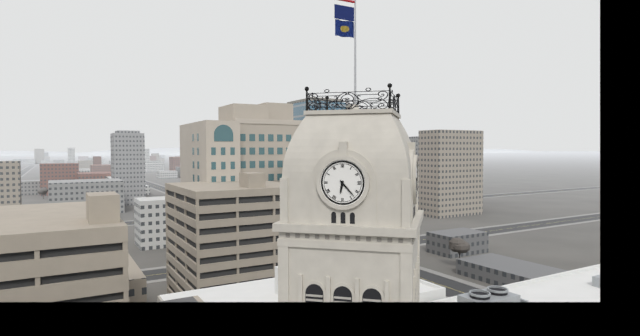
6:23
